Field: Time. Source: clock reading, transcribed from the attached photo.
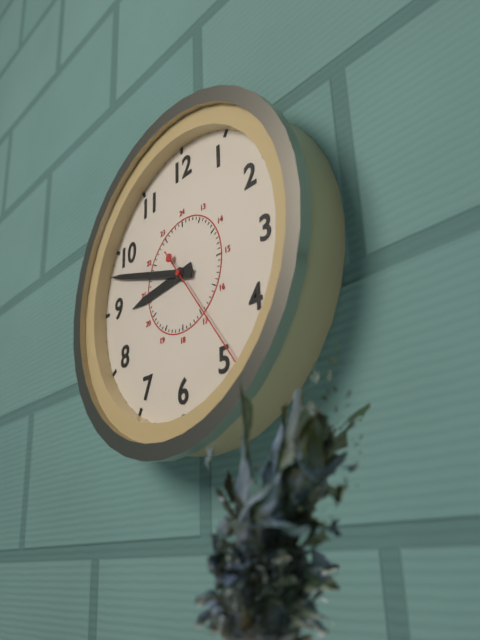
8:48:24
